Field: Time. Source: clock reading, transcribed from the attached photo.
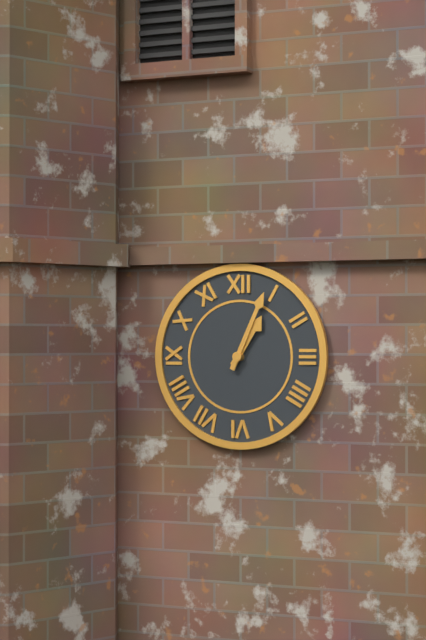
1:04
